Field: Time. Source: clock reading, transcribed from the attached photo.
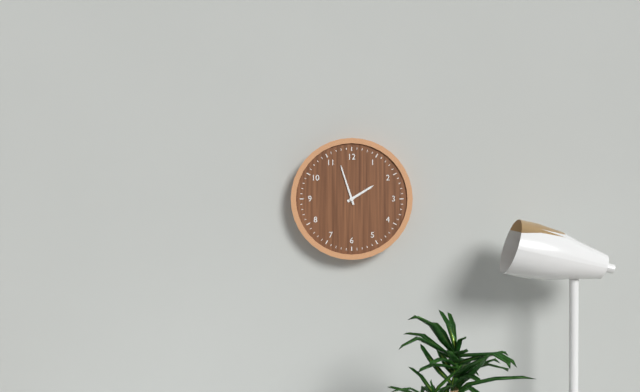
1:57
